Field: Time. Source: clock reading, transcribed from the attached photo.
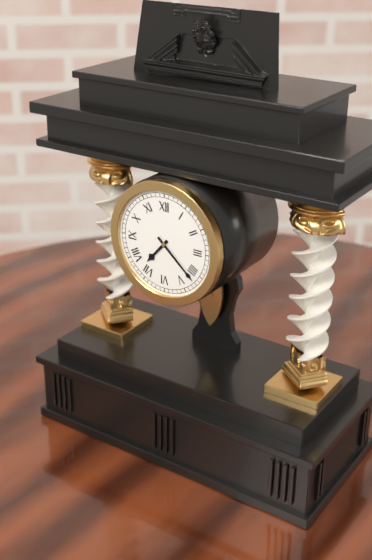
7:22
